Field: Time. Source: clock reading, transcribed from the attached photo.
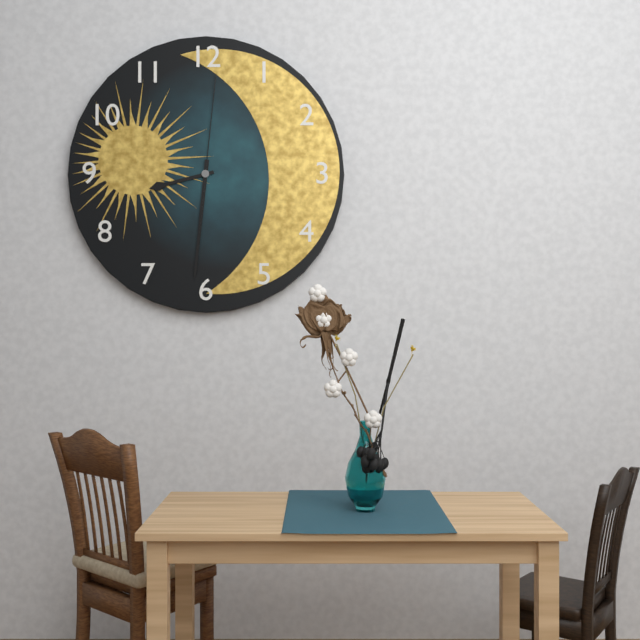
8:31:01
